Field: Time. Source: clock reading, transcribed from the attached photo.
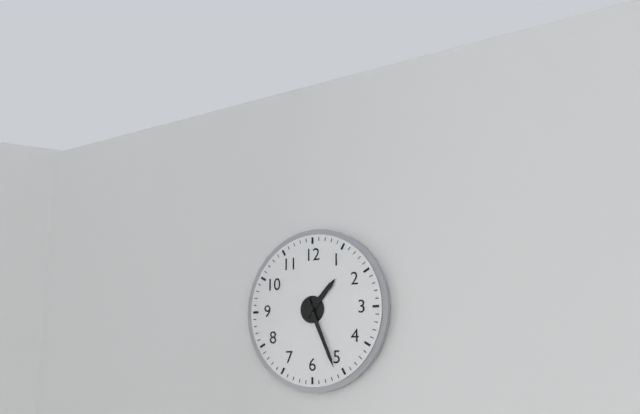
1:26
